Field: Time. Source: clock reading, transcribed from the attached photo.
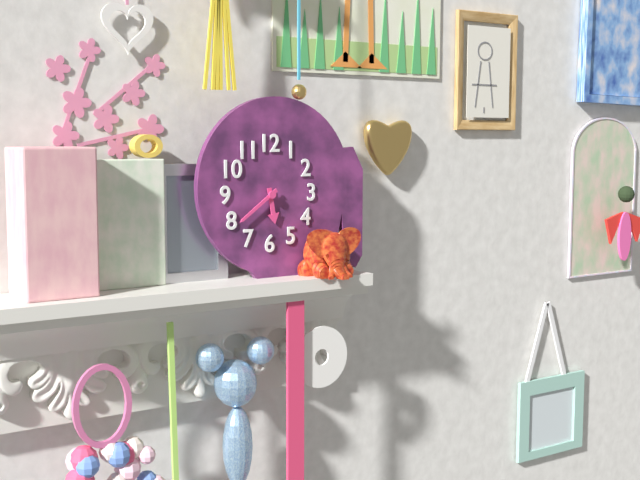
5:39
